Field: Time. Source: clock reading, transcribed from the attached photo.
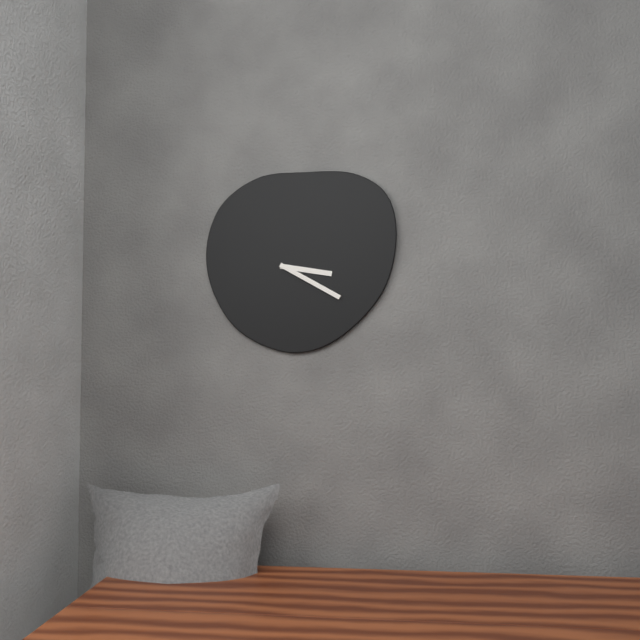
3:20
